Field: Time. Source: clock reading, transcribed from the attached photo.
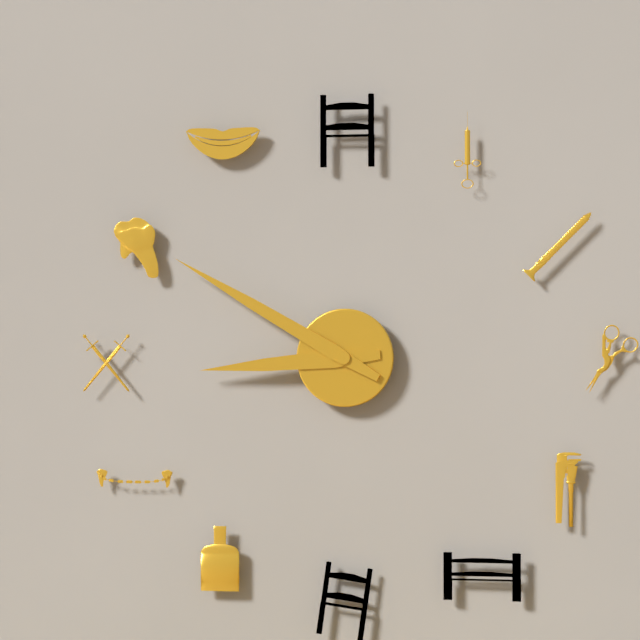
8:50
